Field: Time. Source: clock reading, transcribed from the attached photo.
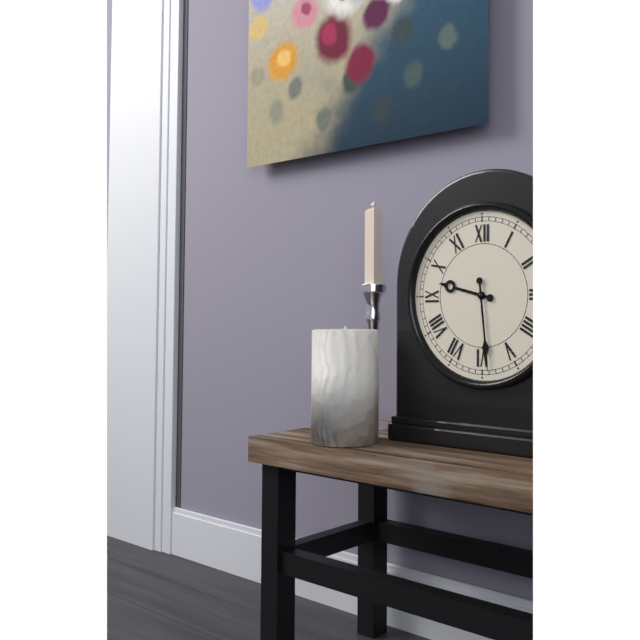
9:29
